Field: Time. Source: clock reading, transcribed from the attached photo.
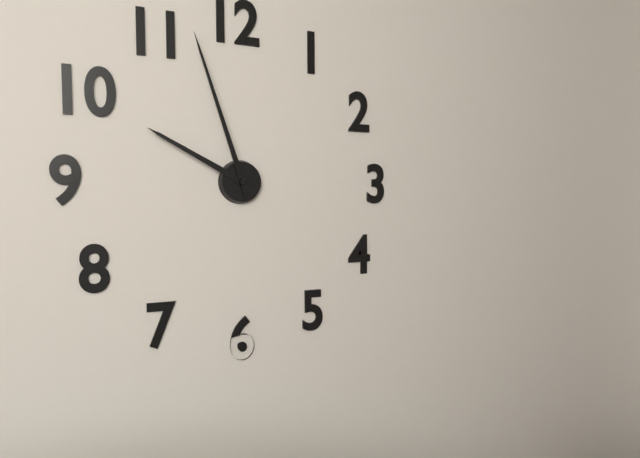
9:57
